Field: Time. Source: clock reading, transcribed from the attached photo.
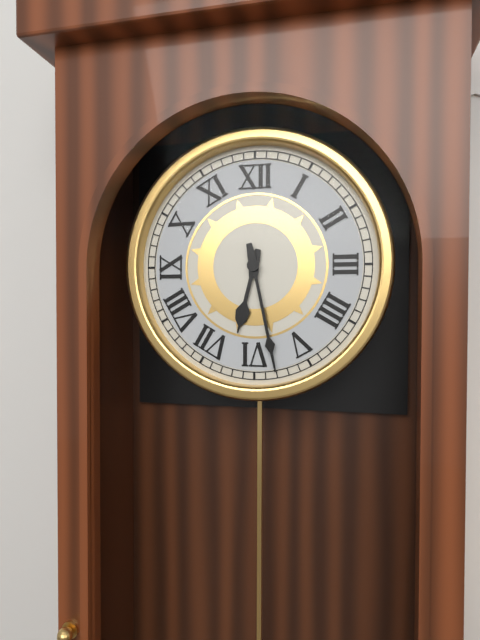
6:28
